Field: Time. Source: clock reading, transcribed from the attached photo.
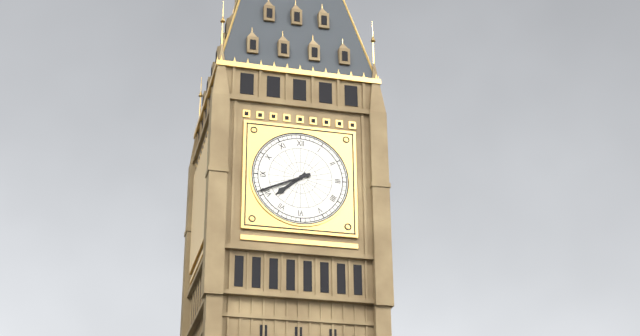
7:41
